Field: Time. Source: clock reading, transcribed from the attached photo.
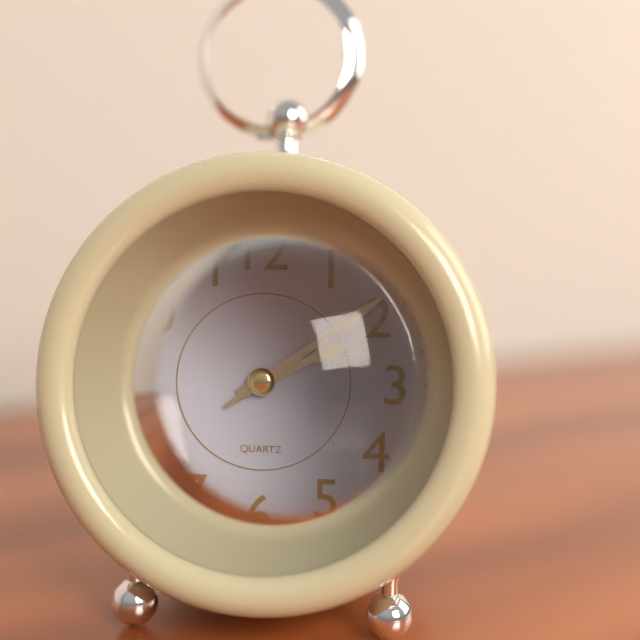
2:09:09
